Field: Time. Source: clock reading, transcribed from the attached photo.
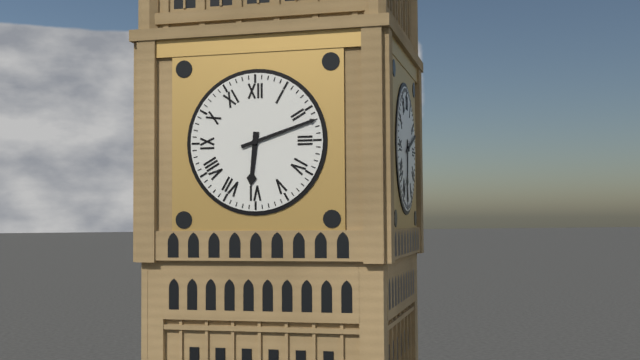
6:12
